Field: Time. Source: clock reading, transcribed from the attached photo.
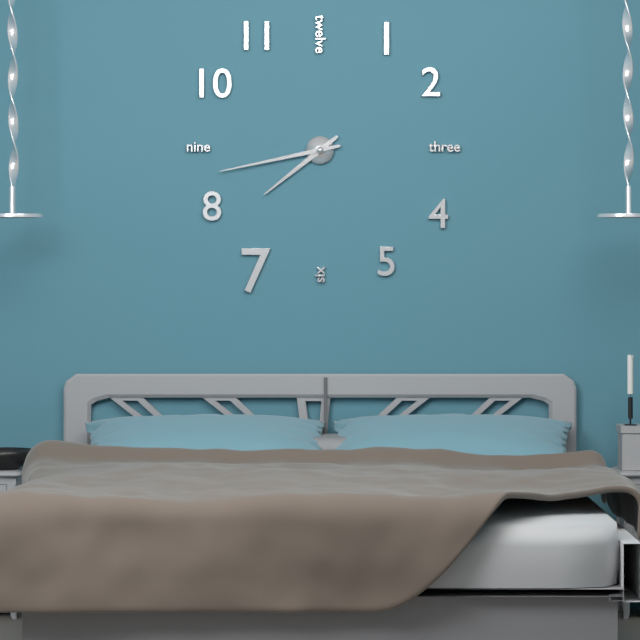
7:43
